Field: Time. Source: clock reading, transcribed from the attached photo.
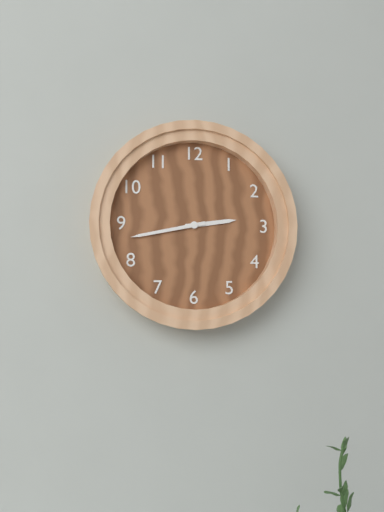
2:43
